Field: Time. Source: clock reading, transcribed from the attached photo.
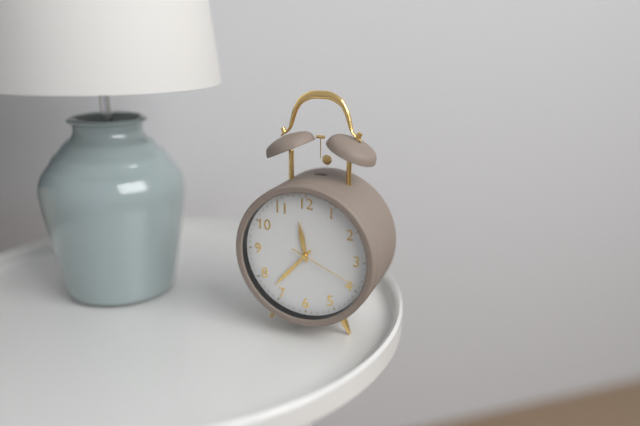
11:37:19
